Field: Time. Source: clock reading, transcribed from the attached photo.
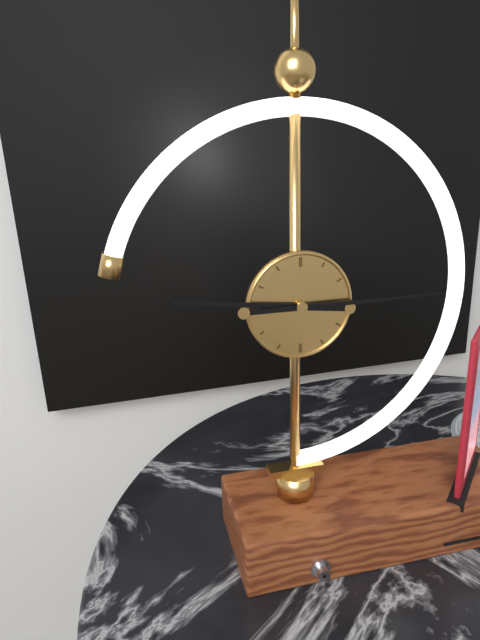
9:15
